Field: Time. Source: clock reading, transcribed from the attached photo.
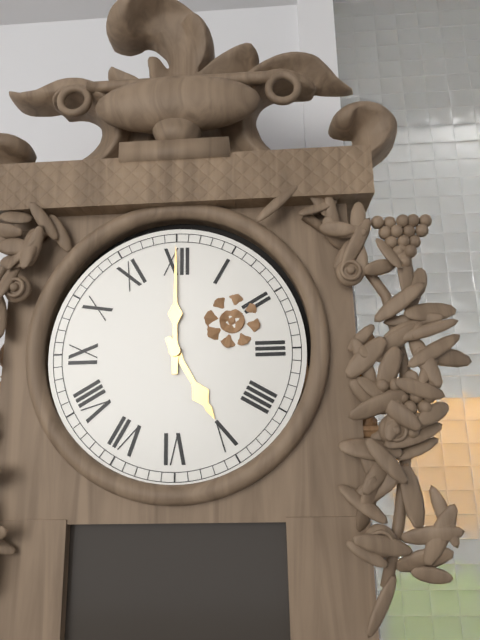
5:00
